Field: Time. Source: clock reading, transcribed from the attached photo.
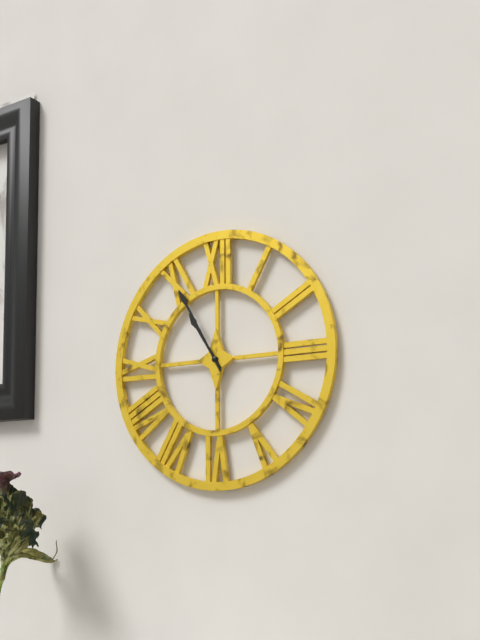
10:55
